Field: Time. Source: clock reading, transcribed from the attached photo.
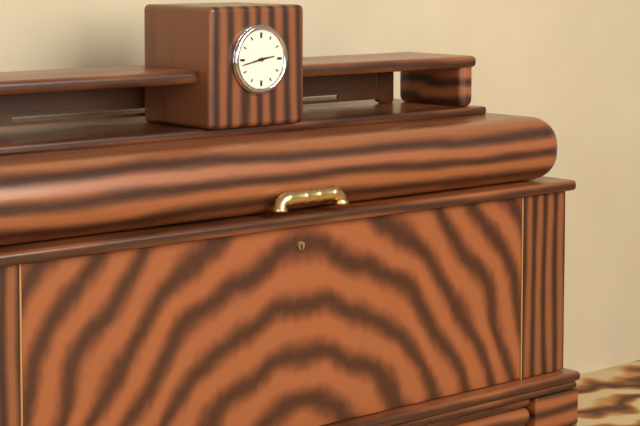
2:43
